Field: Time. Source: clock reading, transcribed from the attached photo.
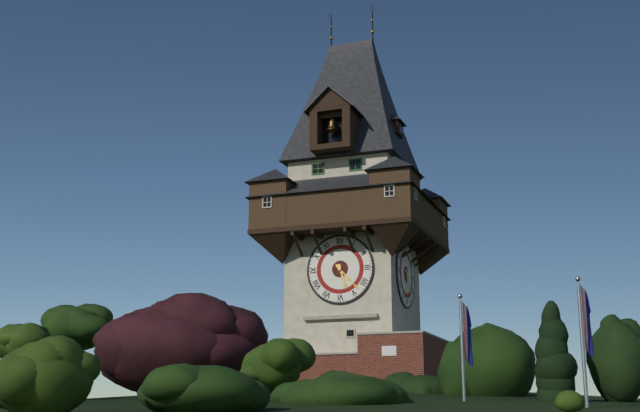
5:23
